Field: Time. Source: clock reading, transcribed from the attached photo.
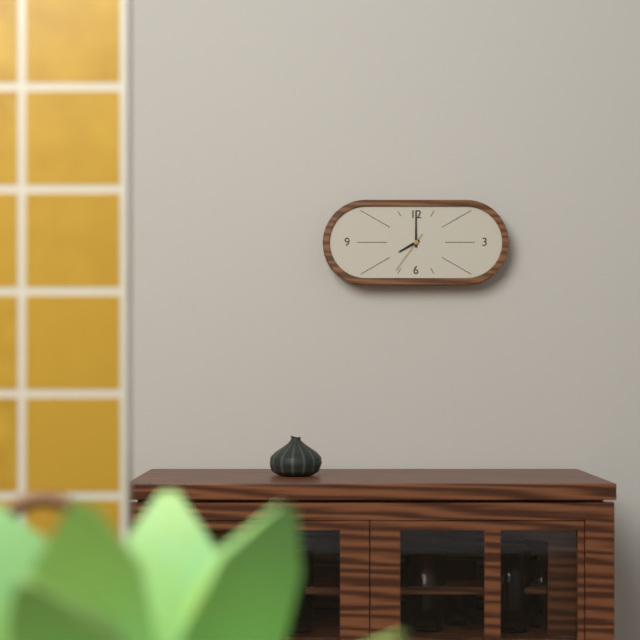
8:00
